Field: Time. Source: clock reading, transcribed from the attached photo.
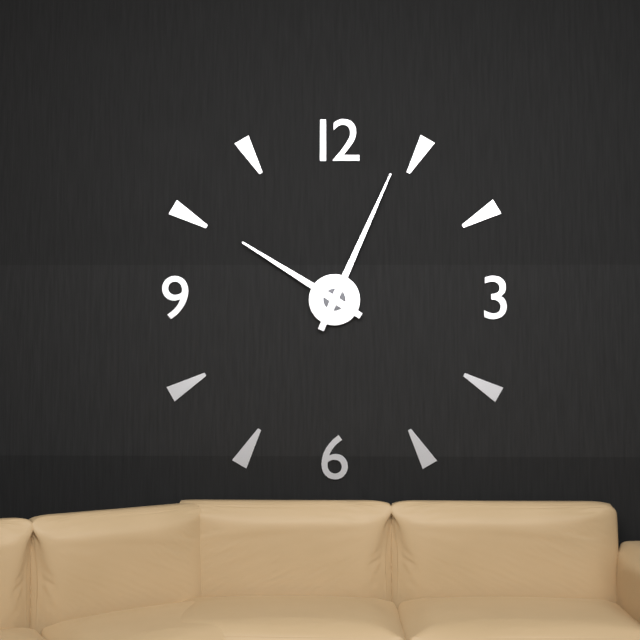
10:04
